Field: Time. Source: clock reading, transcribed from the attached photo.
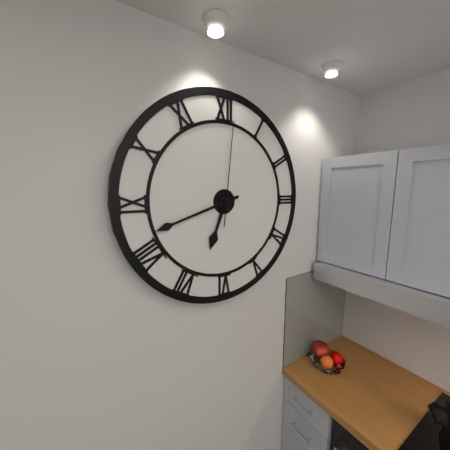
6:42:01
